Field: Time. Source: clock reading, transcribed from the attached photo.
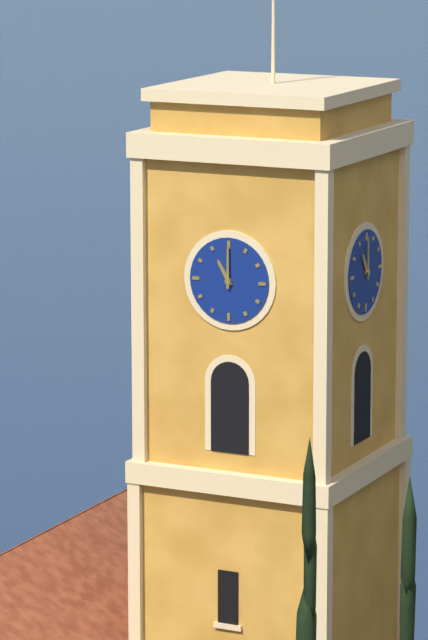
11:00
